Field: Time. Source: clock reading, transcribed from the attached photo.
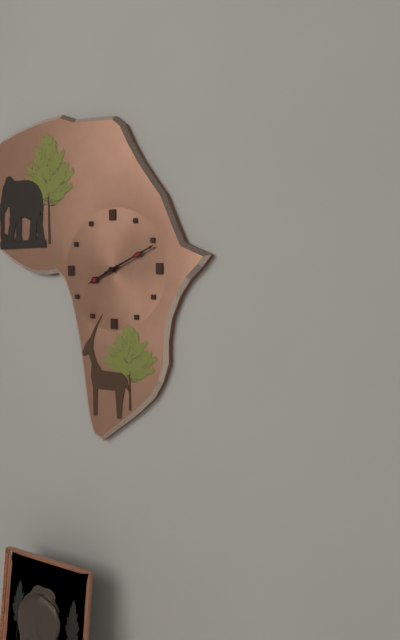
8:11
